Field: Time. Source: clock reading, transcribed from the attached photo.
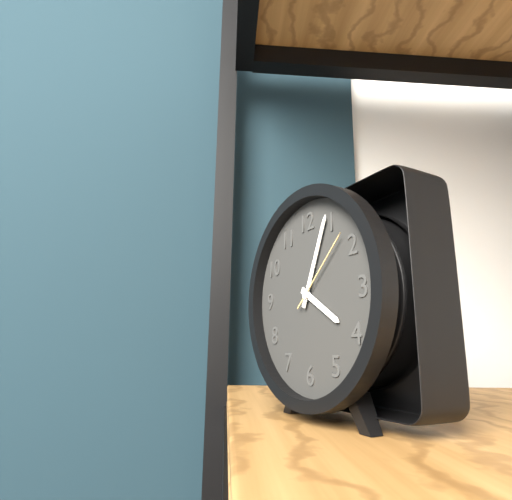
4:04:08
